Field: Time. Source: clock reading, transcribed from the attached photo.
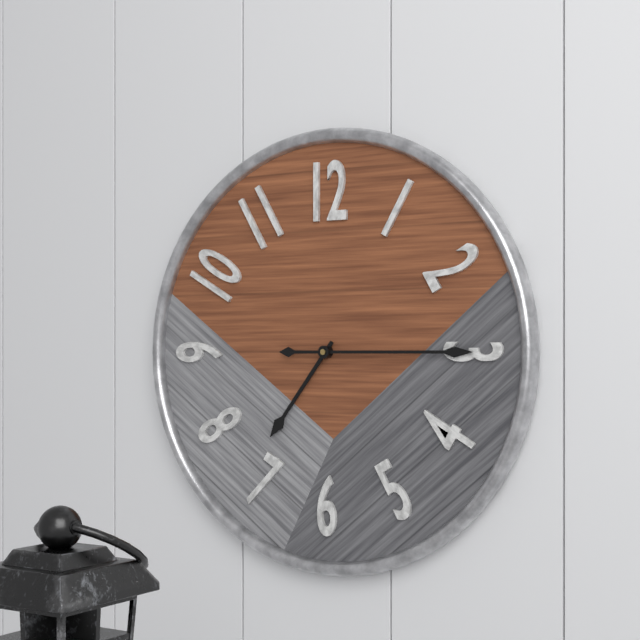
7:15
